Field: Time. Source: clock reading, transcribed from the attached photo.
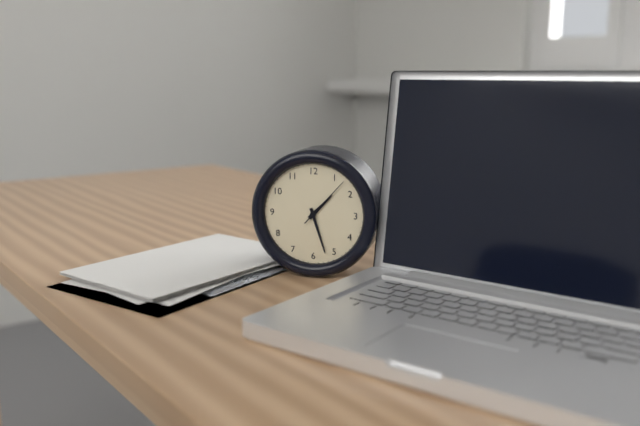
1:27:07
